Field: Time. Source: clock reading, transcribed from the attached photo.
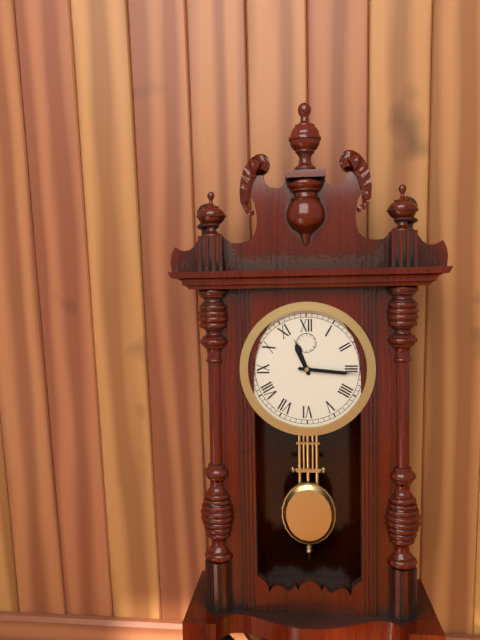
11:16
